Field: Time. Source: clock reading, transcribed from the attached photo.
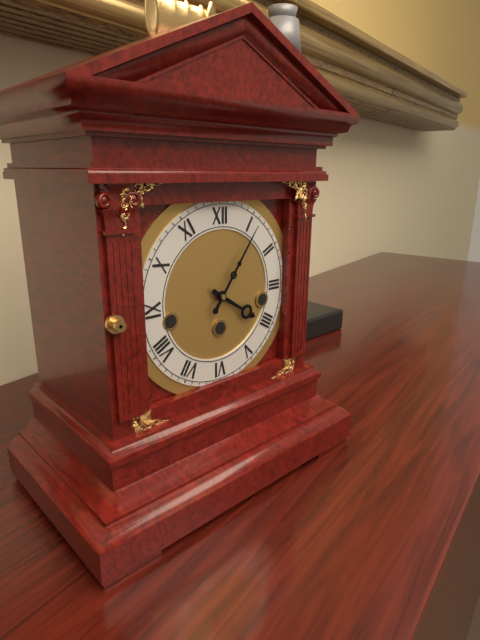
4:06
